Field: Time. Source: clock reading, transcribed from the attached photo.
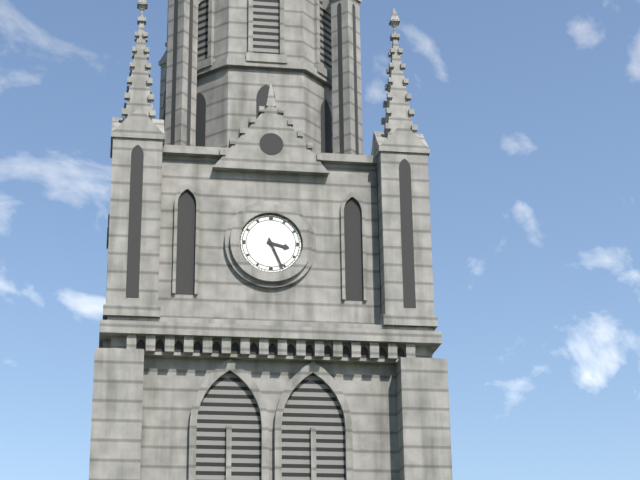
3:26
